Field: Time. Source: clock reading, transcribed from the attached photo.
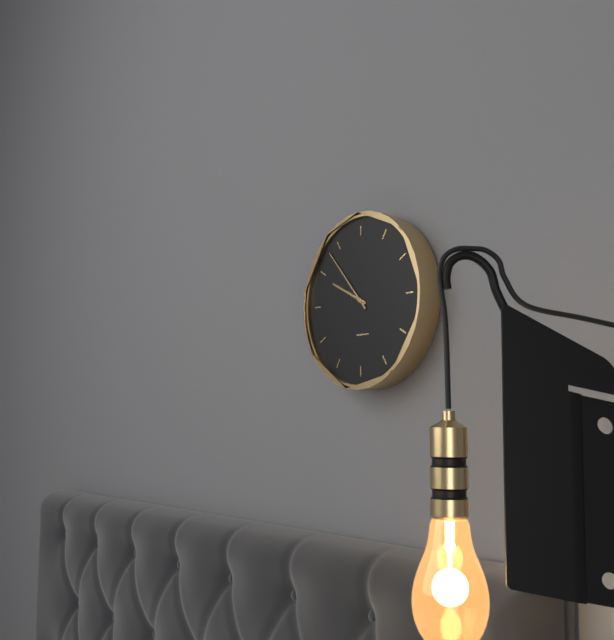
9:53
